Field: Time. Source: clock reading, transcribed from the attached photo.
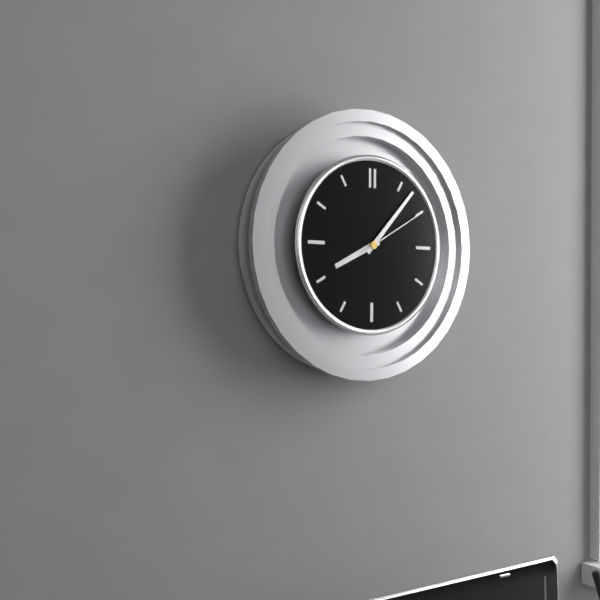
8:07:10
